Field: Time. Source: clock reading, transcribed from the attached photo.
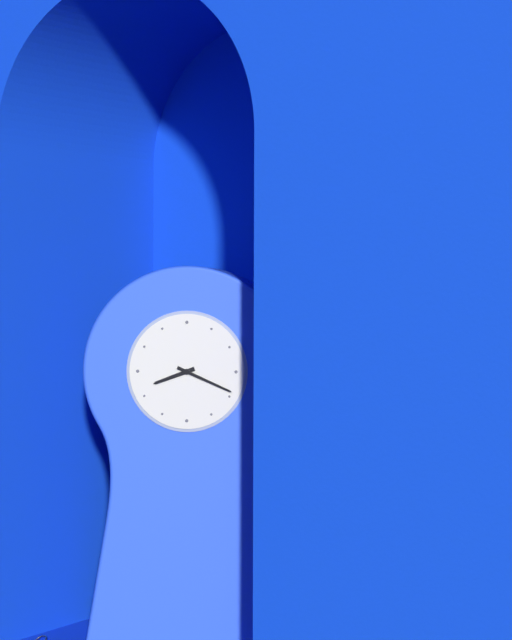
8:19
